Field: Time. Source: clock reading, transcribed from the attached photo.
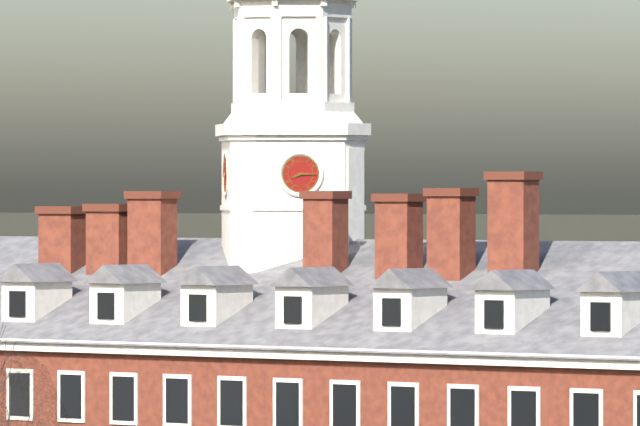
8:15
